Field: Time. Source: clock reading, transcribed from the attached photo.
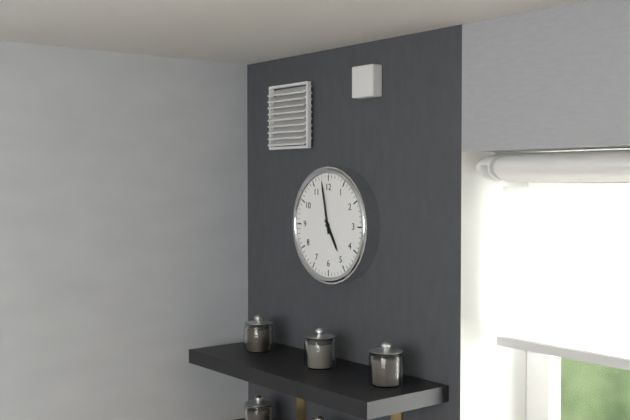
4:58
